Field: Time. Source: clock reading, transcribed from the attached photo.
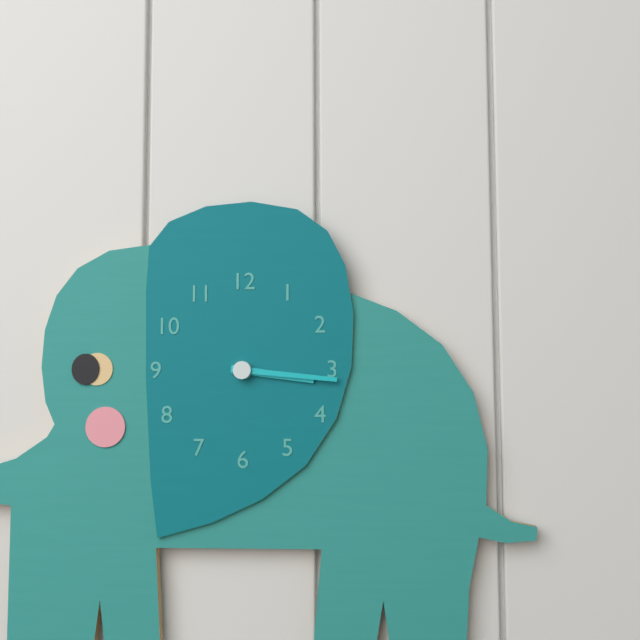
3:16
